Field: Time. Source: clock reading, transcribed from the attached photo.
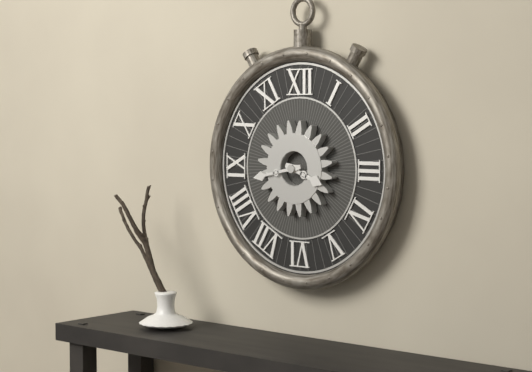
3:43
